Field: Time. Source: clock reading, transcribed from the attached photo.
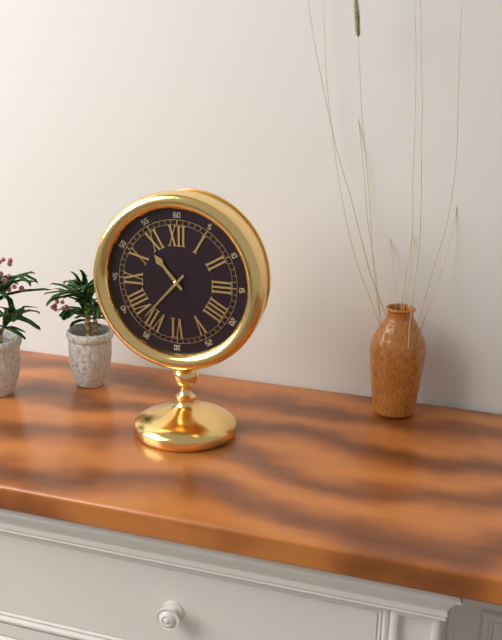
10:37
